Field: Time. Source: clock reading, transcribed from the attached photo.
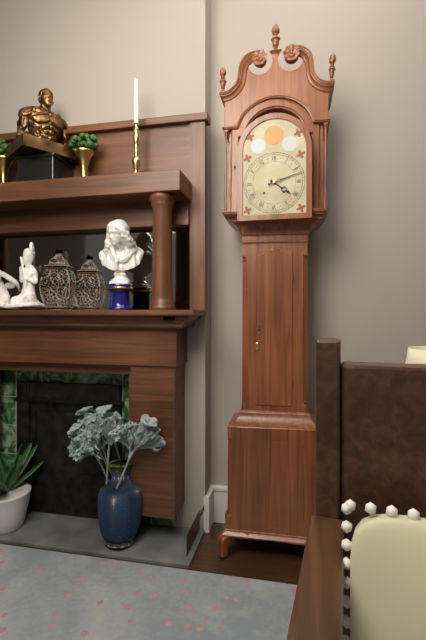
4:12
